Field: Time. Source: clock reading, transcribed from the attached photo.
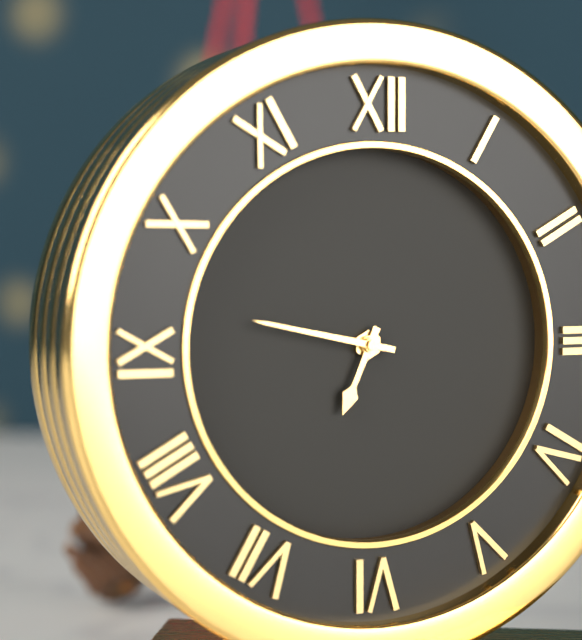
6:47
